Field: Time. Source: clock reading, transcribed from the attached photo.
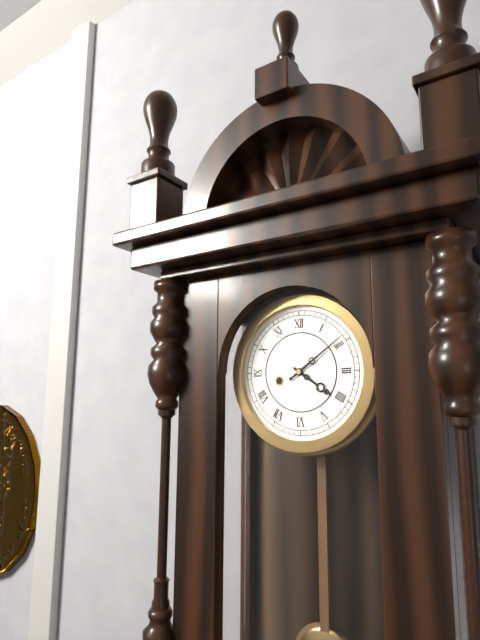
4:09
